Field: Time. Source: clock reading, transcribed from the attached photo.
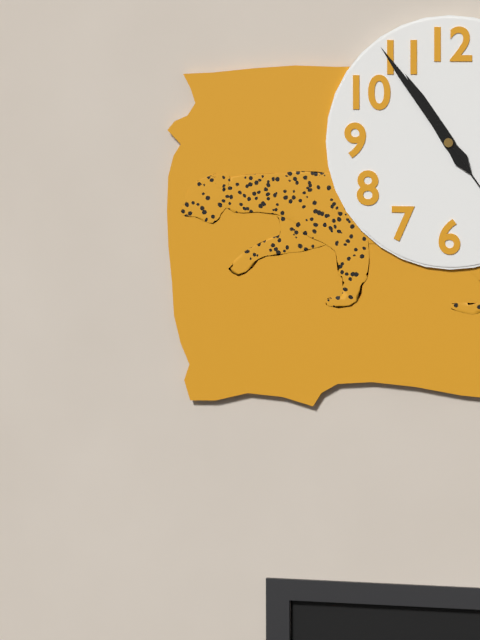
10:54
